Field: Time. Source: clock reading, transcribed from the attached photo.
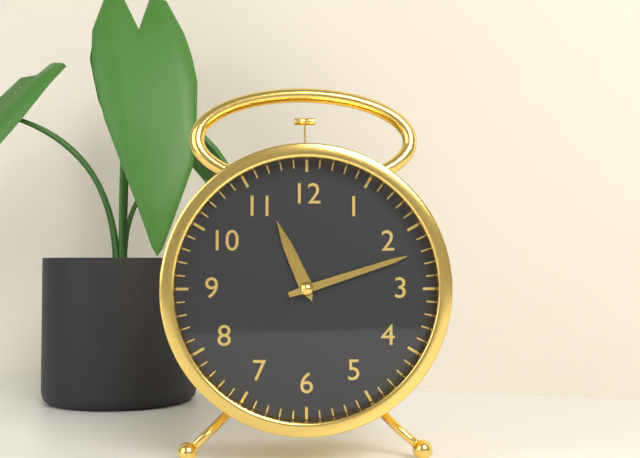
11:12
